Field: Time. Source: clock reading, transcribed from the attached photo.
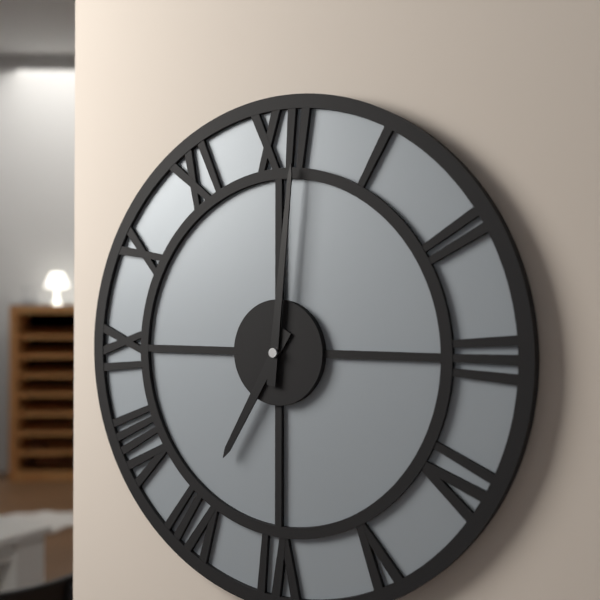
7:01
